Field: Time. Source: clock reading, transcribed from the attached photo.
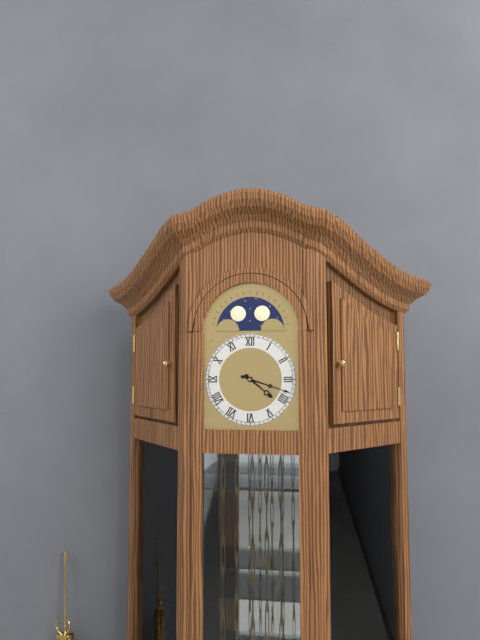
4:18
